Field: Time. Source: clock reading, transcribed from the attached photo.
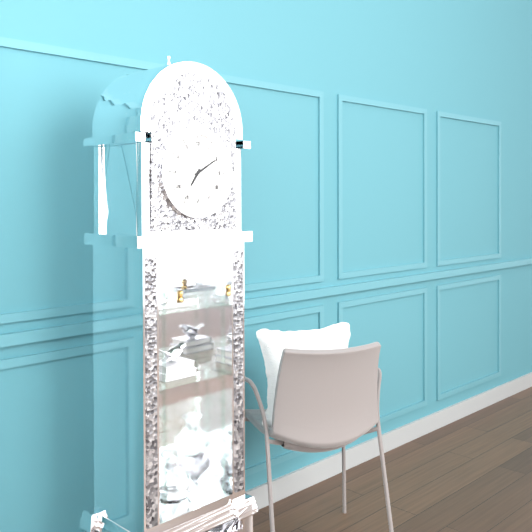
7:10
